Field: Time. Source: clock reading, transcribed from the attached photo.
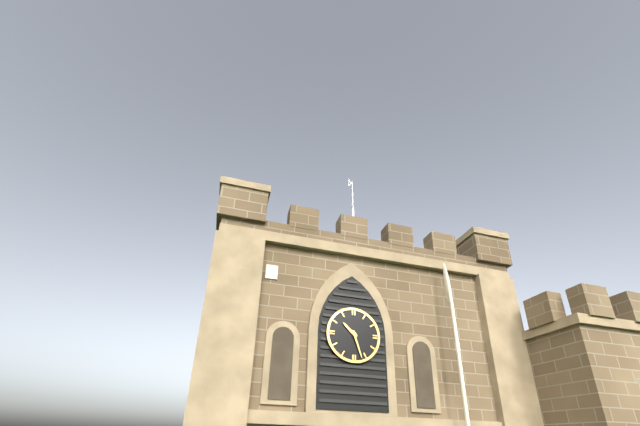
10:27
